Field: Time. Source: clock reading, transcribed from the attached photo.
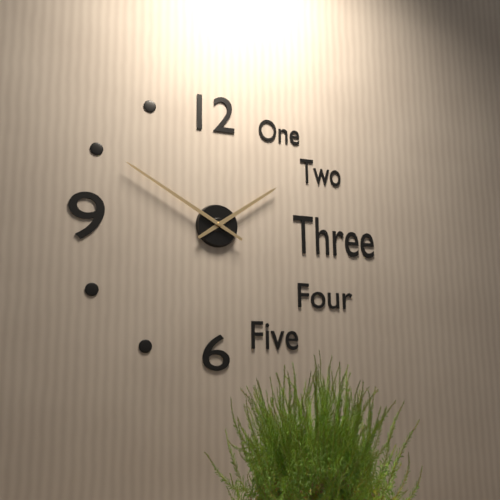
1:50
